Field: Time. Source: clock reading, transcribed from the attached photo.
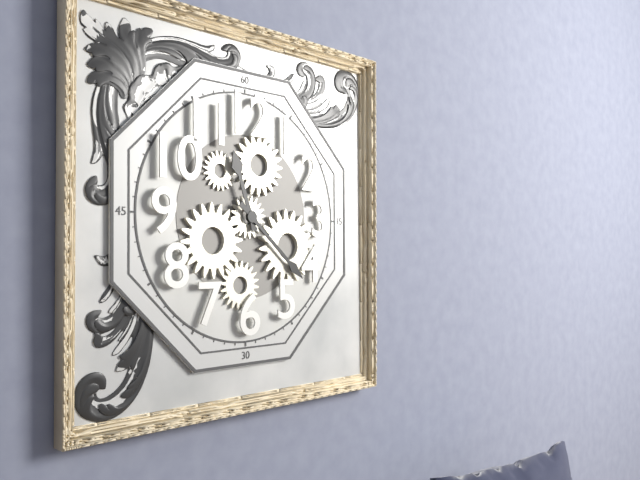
11:22
